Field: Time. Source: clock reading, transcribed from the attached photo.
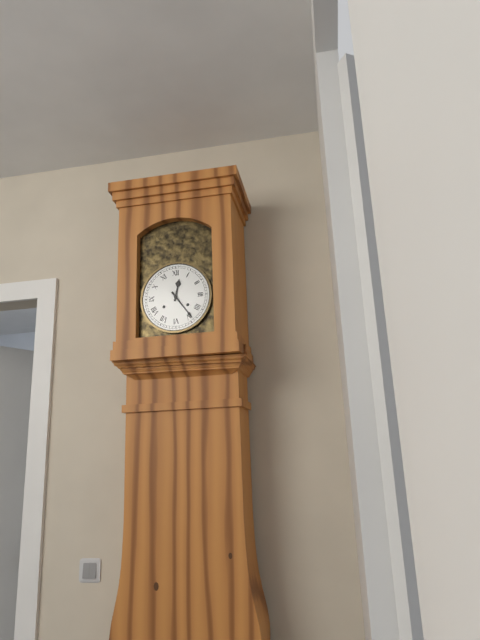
12:24
